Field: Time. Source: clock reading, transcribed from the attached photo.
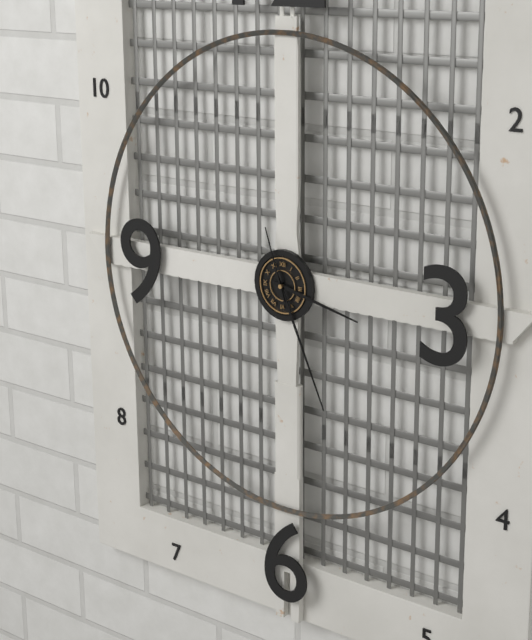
3:26:57
